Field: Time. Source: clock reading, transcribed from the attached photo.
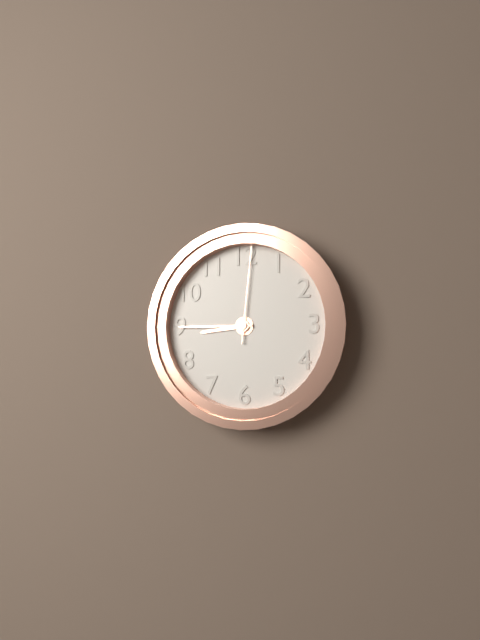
8:45:01
